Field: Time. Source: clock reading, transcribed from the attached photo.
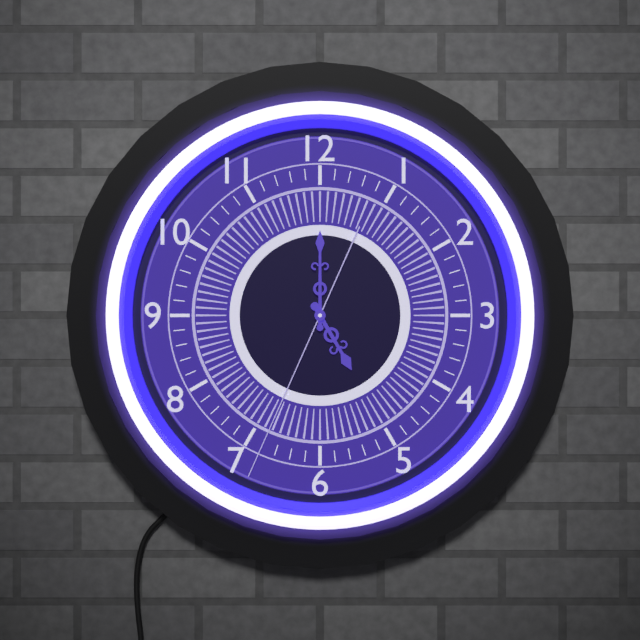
5:00:34
